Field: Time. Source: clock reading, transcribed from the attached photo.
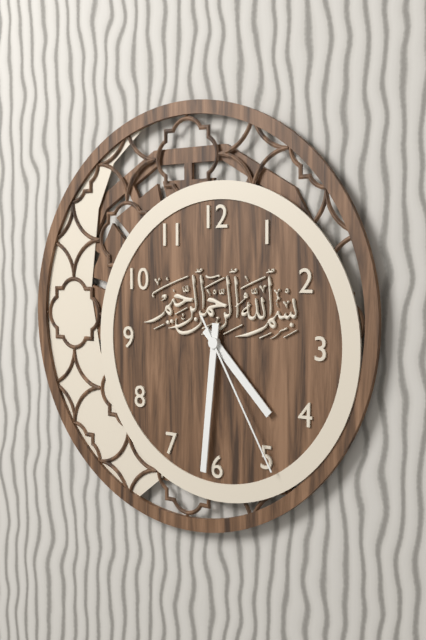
4:31:25
